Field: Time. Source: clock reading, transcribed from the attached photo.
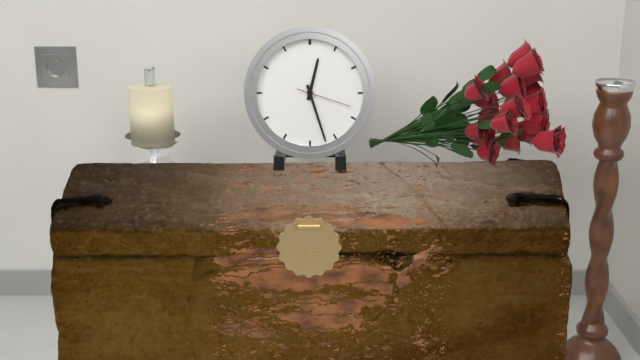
12:27:18
